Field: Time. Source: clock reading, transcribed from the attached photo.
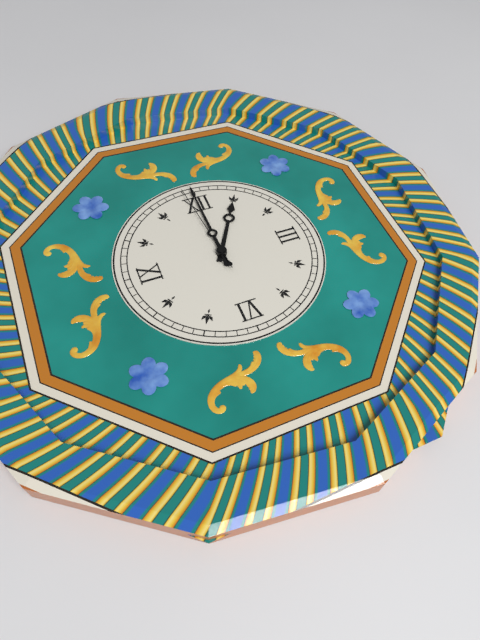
1:00:59
